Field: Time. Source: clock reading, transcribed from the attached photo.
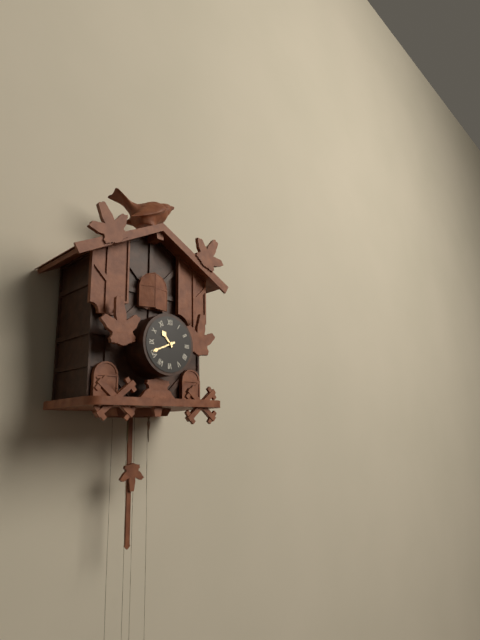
10:41
